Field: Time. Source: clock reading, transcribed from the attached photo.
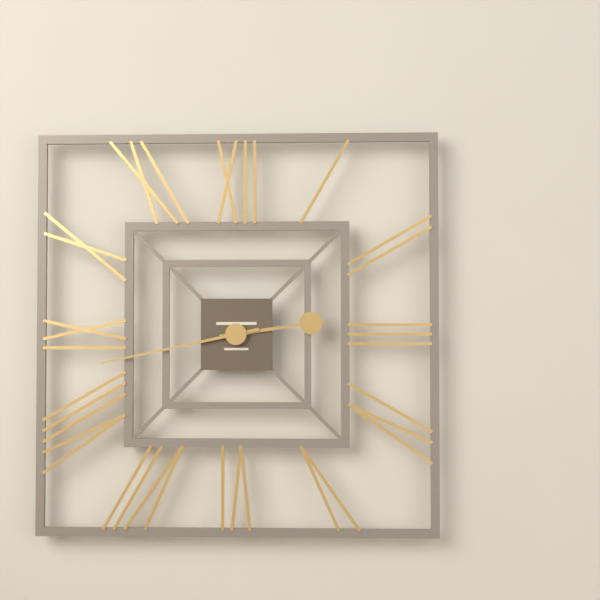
2:43
